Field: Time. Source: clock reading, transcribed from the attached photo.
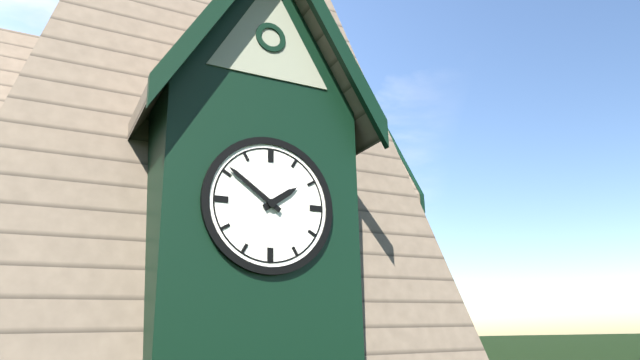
1:51
